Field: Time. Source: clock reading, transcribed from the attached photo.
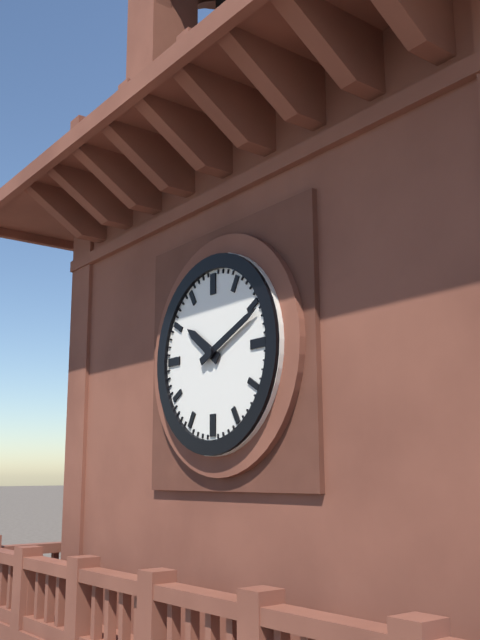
10:11
